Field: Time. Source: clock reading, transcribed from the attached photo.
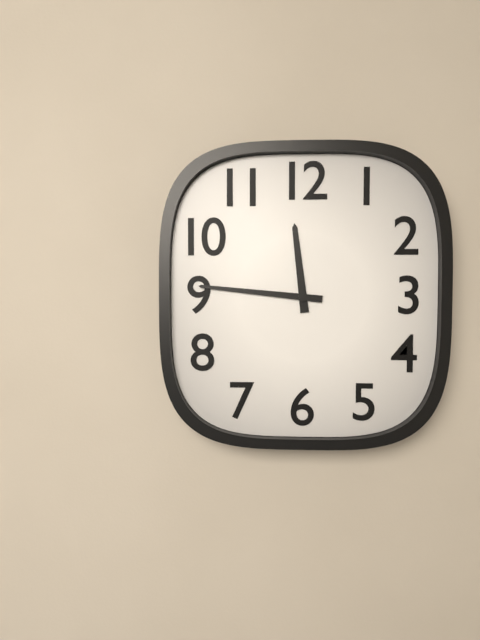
11:46
